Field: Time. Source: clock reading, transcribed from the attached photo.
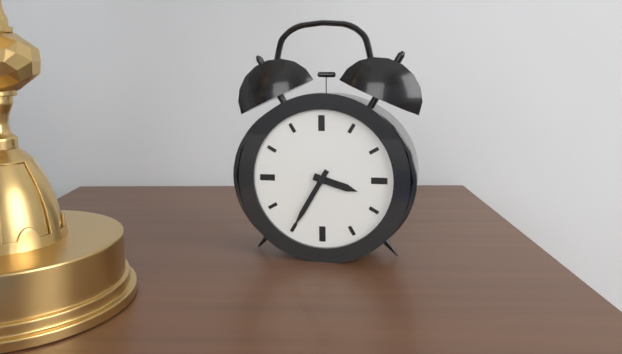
3:35
